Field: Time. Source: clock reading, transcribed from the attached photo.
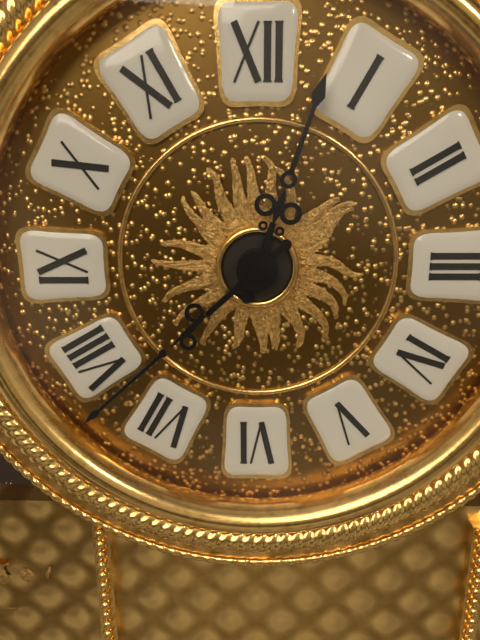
12:38
